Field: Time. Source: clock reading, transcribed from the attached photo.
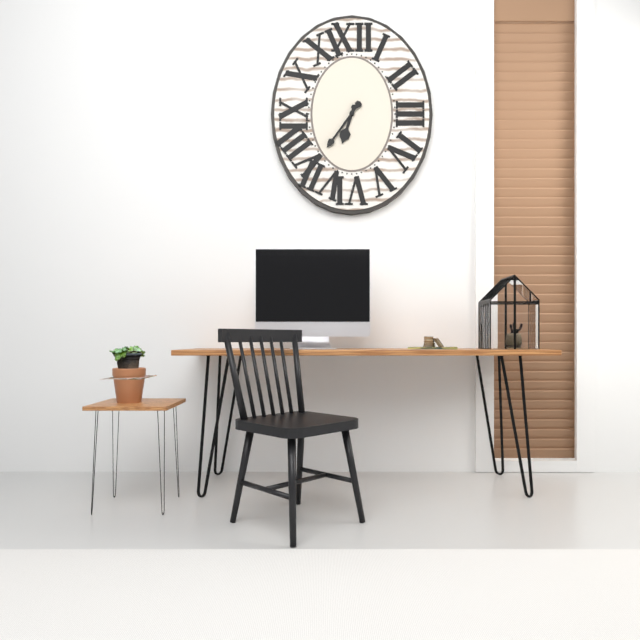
6:36
